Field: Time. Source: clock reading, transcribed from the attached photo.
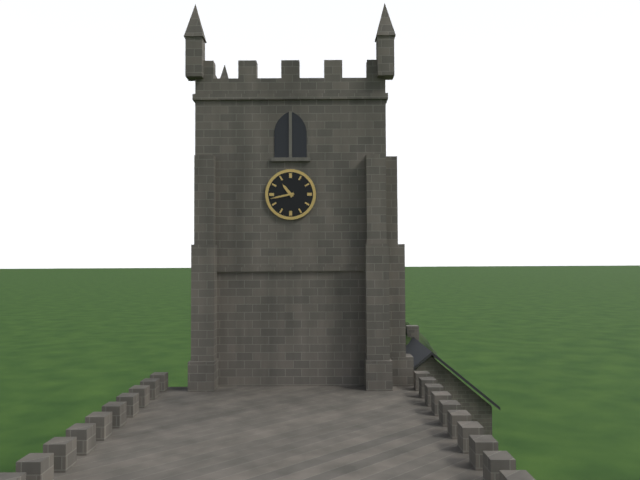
10:43
